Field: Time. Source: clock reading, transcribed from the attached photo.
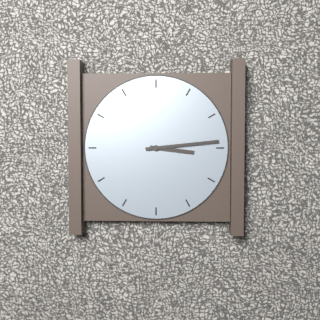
3:14
